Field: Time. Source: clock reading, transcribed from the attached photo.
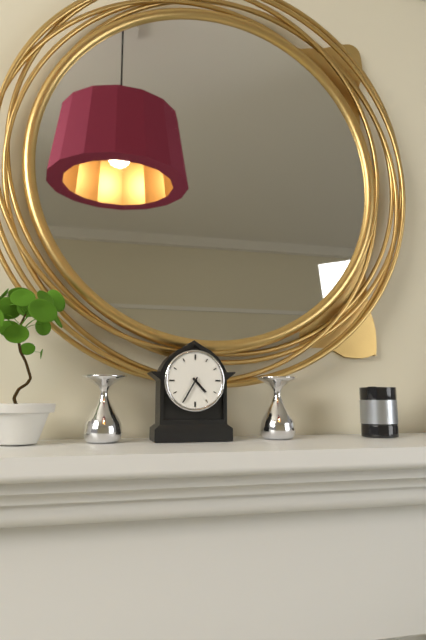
4:35
